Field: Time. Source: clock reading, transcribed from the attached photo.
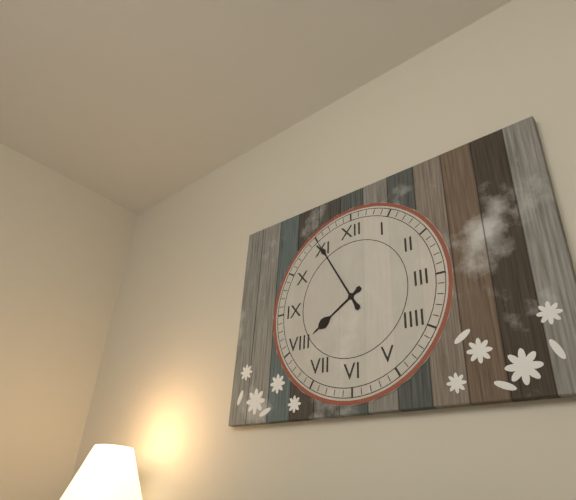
7:55
